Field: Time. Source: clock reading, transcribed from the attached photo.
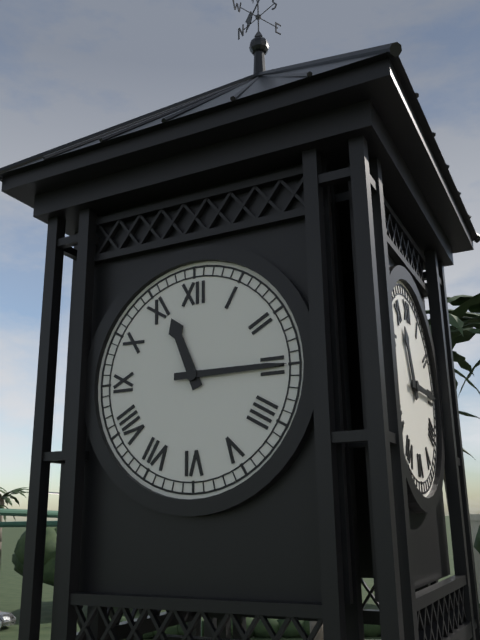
11:15
